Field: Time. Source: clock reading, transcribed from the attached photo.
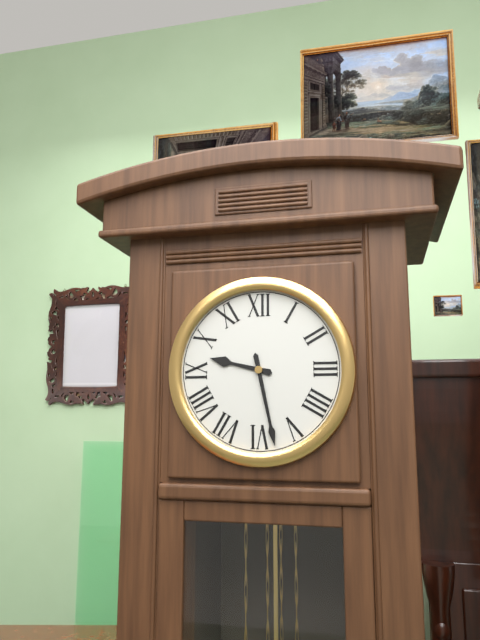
9:28
